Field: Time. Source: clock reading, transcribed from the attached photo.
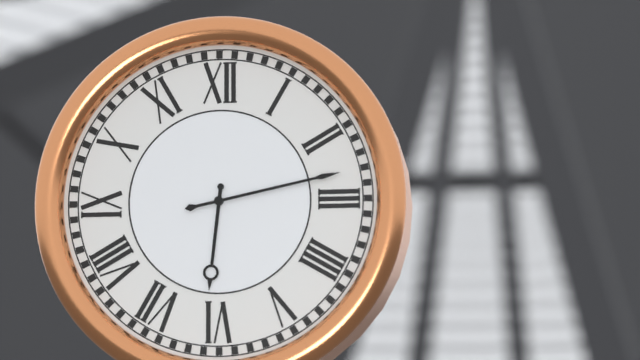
6:13
